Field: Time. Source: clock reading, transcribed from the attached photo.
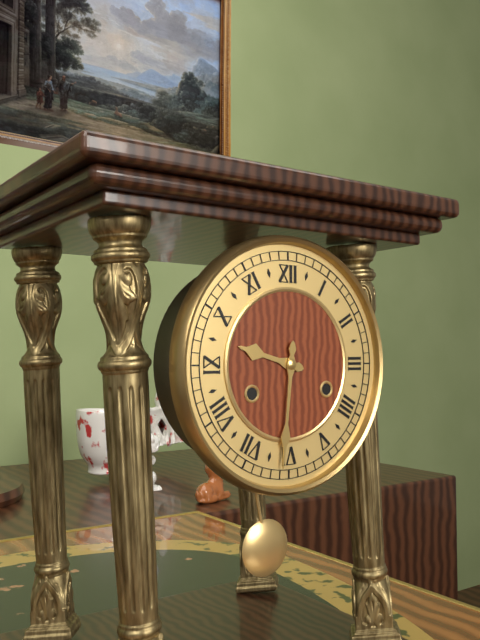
9:31
